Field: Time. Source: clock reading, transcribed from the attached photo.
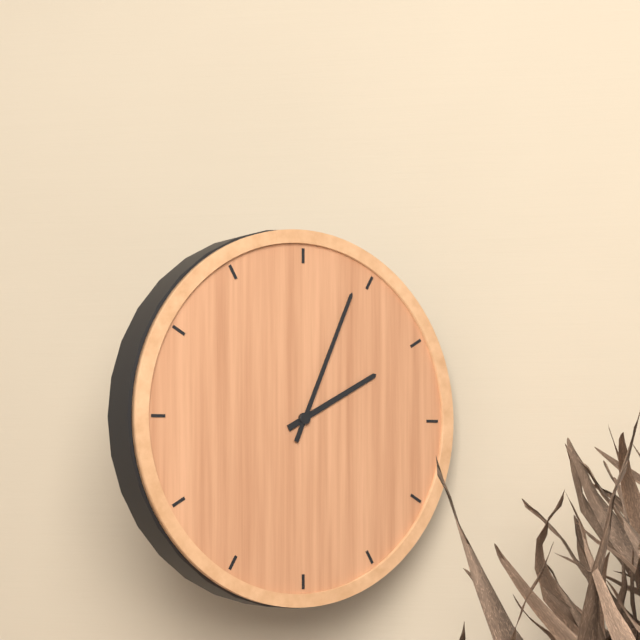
2:04
